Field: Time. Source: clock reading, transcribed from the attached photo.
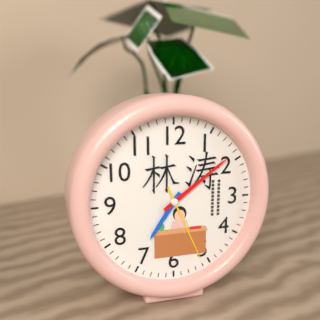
7:09:26
